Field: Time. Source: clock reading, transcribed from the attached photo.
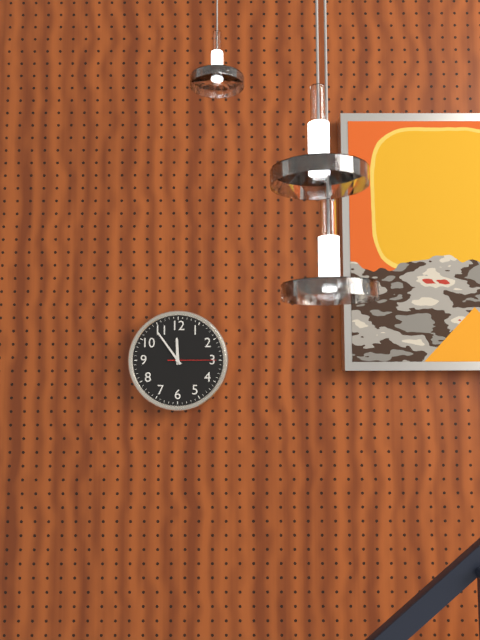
11:54
